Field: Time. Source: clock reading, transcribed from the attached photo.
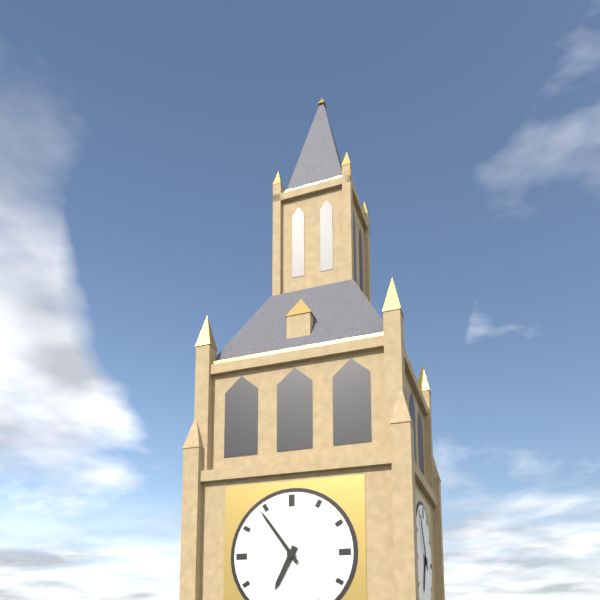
6:54
